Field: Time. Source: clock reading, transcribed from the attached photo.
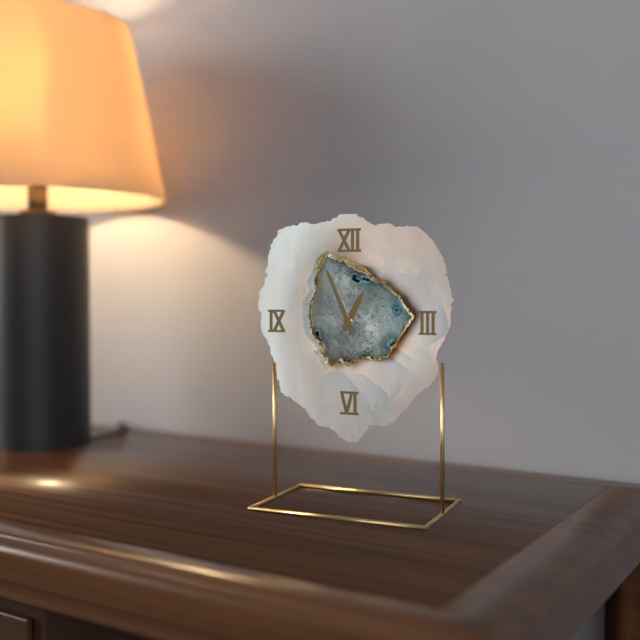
12:56
